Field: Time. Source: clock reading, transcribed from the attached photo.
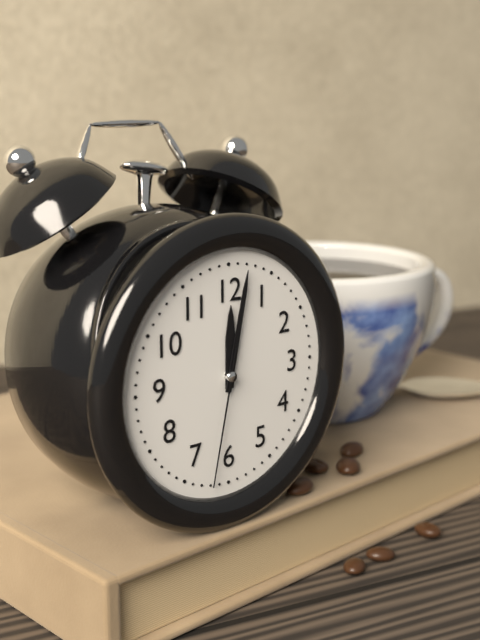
12:02:32
